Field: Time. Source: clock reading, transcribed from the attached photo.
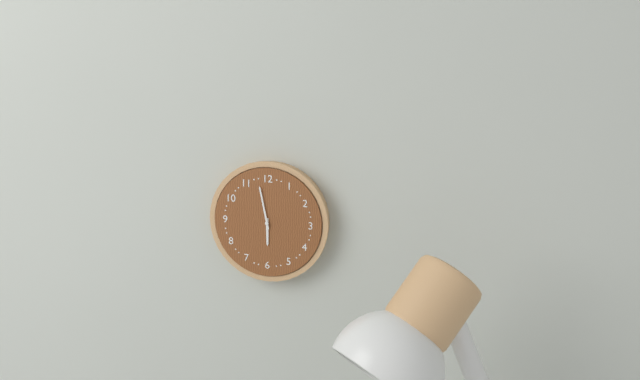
5:58
